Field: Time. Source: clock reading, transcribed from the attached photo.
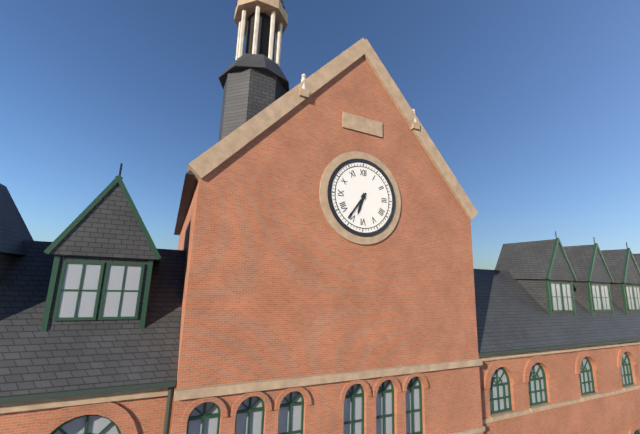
6:36
